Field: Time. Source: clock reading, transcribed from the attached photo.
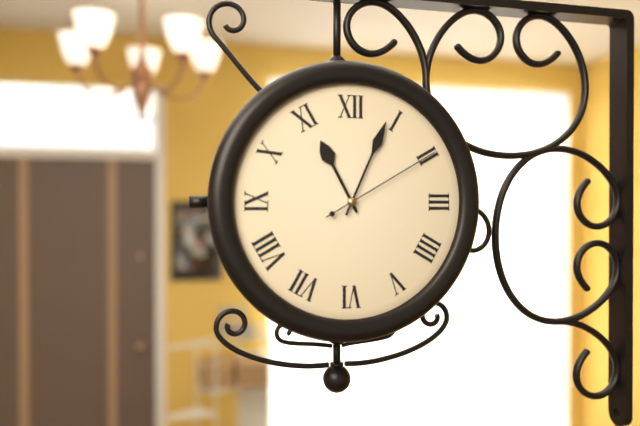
11:04:10
